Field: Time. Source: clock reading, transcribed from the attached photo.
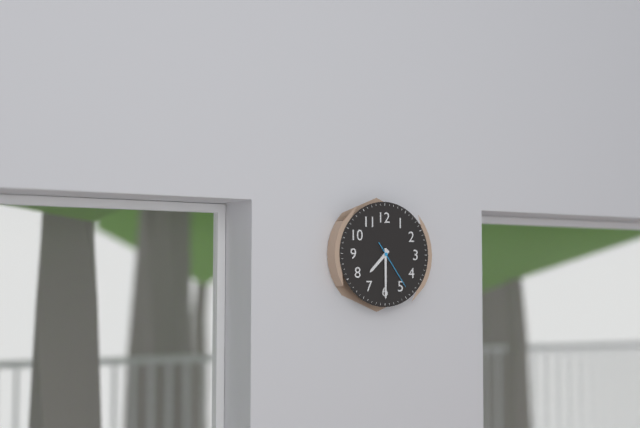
7:30
